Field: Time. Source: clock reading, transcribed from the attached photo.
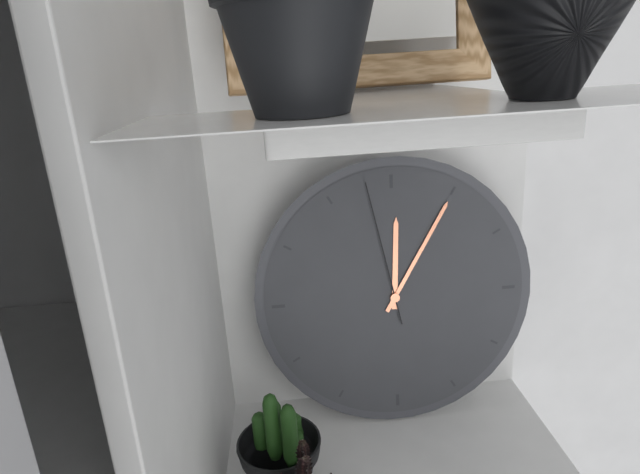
12:05:58
